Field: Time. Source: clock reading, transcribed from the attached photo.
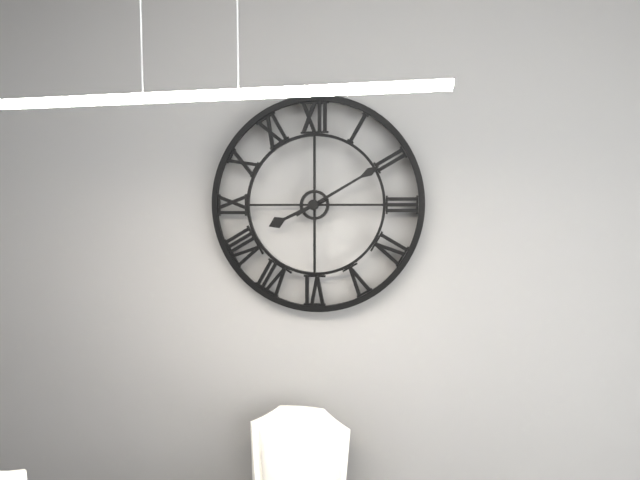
8:10
